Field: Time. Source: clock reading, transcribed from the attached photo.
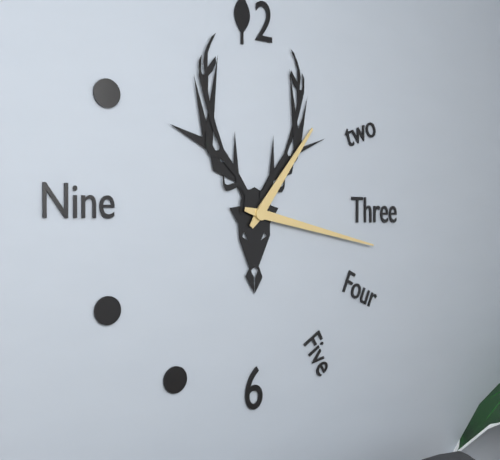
1:17
